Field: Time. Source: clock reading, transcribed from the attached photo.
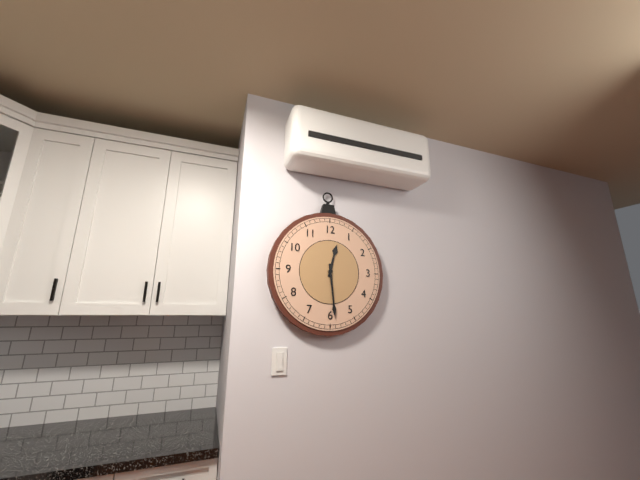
12:29
